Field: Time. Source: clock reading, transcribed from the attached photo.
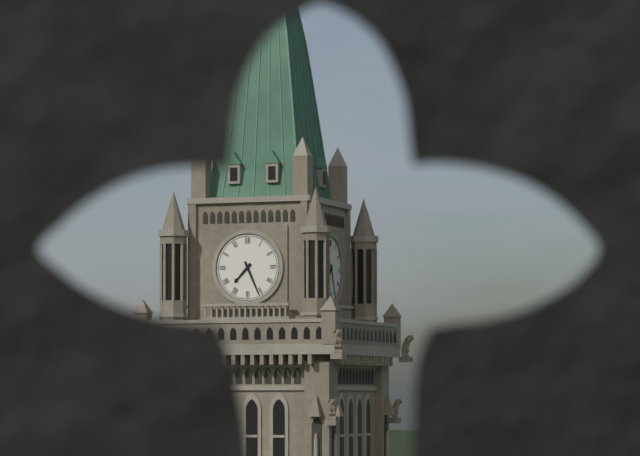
7:26
